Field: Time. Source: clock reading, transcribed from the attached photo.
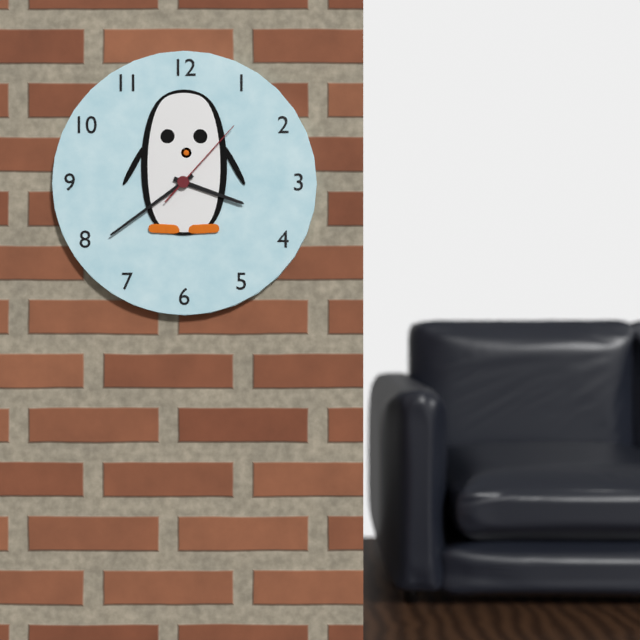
3:39:07
